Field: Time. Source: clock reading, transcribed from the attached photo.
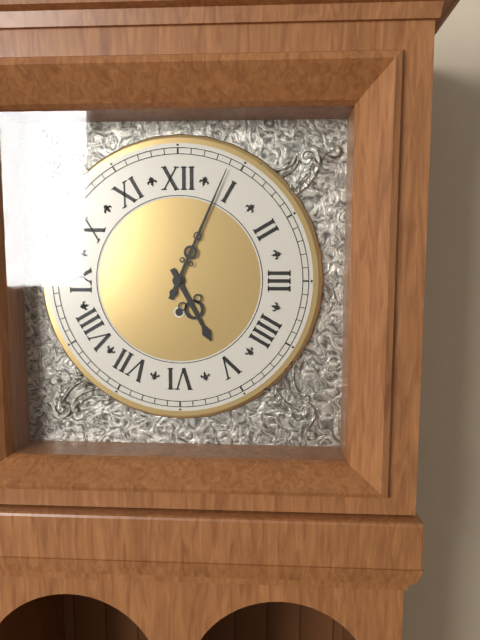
5:04
